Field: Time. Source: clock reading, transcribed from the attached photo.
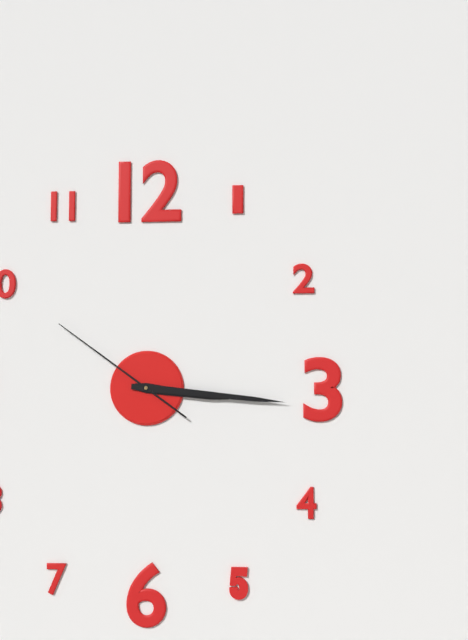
3:16:51
